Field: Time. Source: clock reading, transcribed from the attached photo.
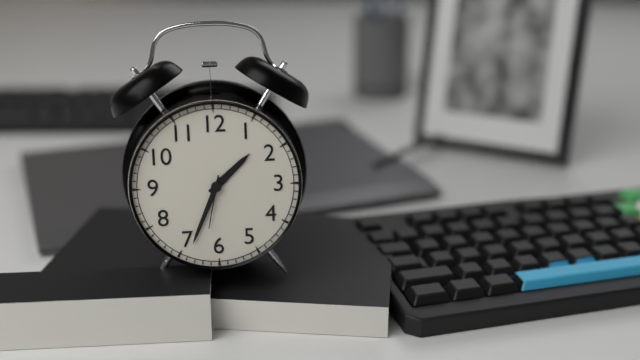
1:34:32
